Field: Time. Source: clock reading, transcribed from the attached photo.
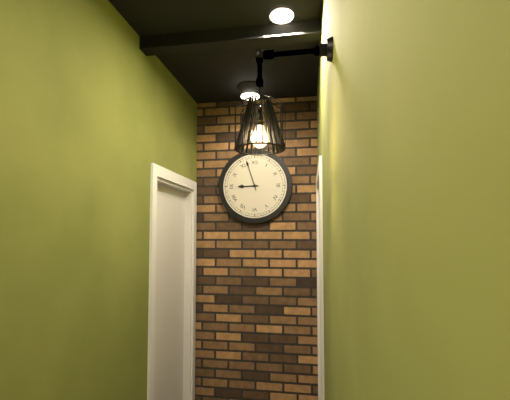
8:57
